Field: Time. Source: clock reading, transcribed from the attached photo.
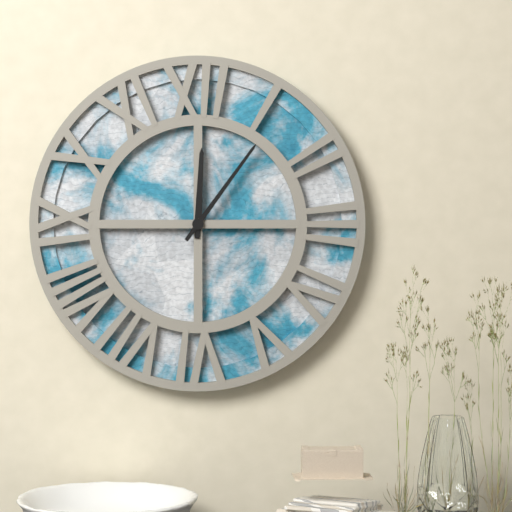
12:06
